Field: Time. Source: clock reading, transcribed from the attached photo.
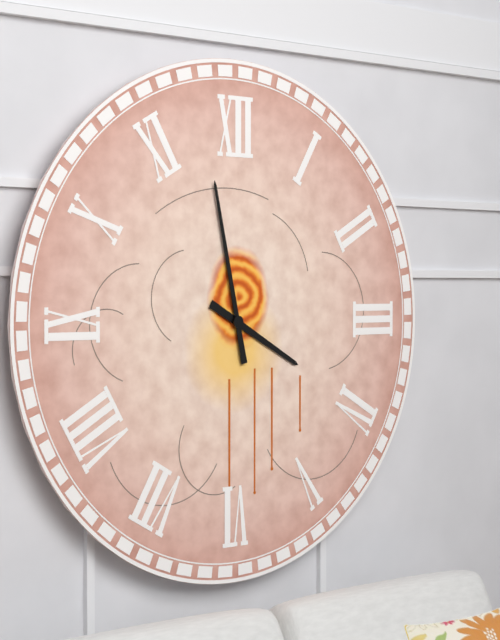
3:58
